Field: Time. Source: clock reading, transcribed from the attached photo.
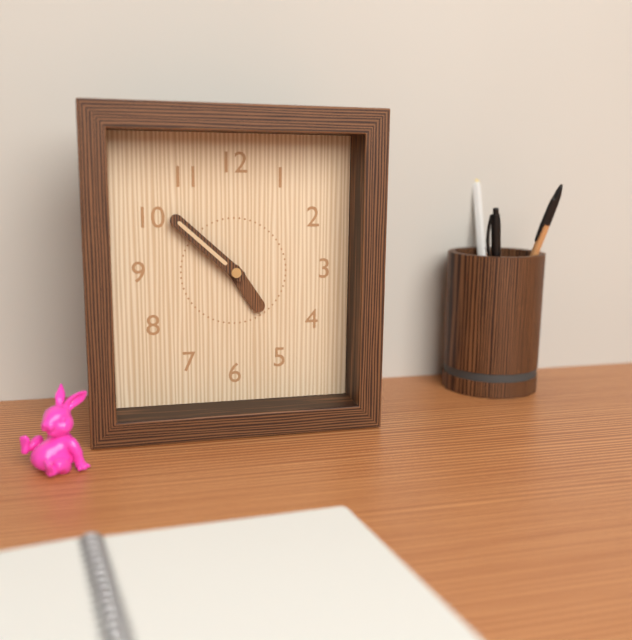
4:52
